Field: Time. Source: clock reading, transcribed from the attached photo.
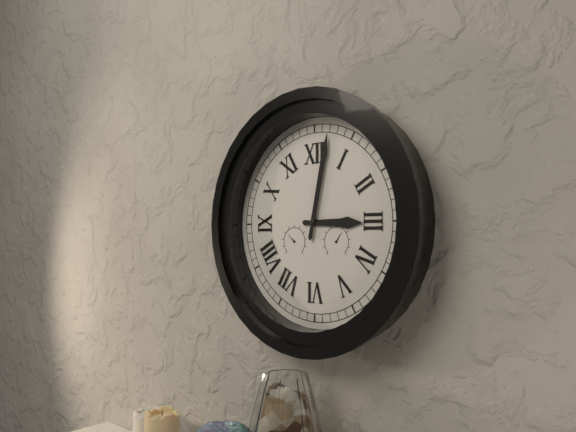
3:02
